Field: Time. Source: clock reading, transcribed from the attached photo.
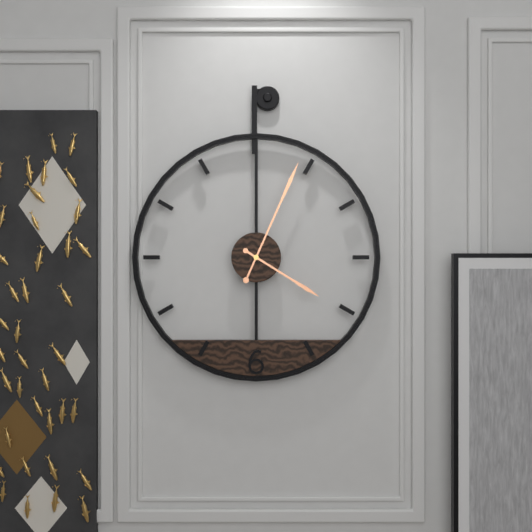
4:04
